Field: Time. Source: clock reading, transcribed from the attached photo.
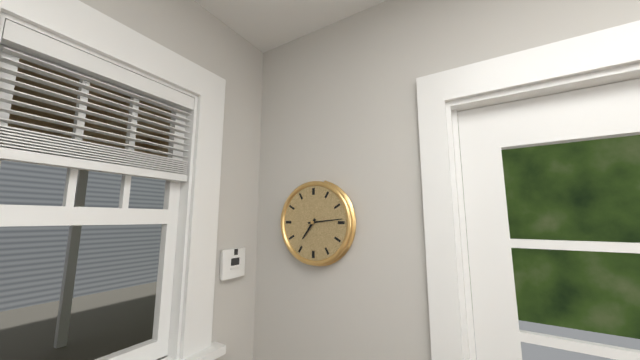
7:14
